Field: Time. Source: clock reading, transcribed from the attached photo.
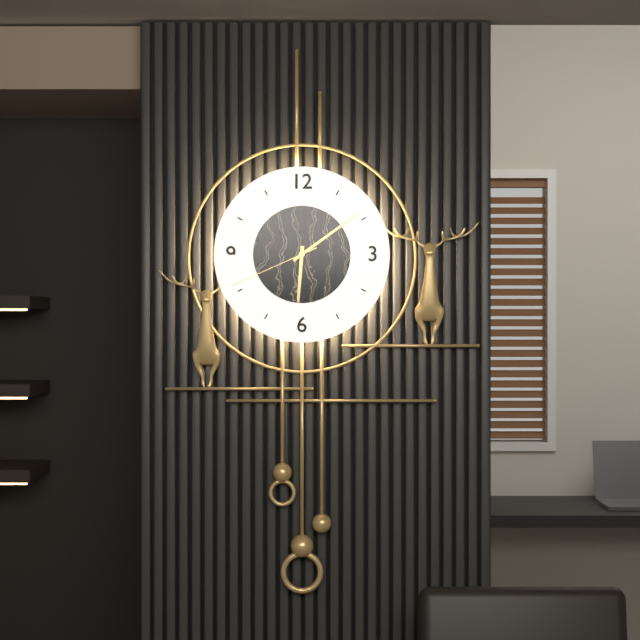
6:09:41
